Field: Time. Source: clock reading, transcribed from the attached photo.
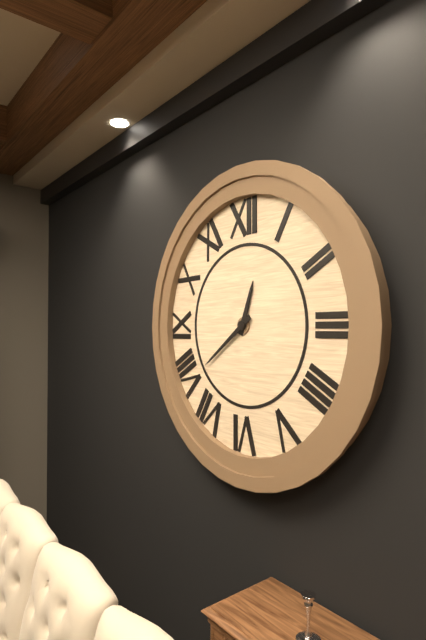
12:39
